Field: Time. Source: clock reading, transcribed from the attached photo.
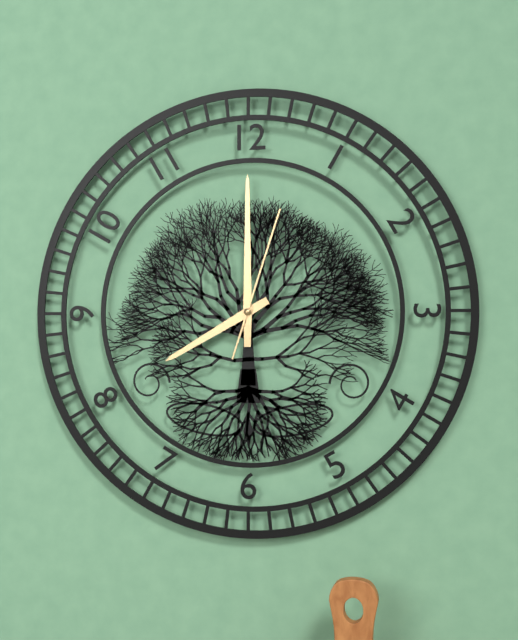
8:00:03
